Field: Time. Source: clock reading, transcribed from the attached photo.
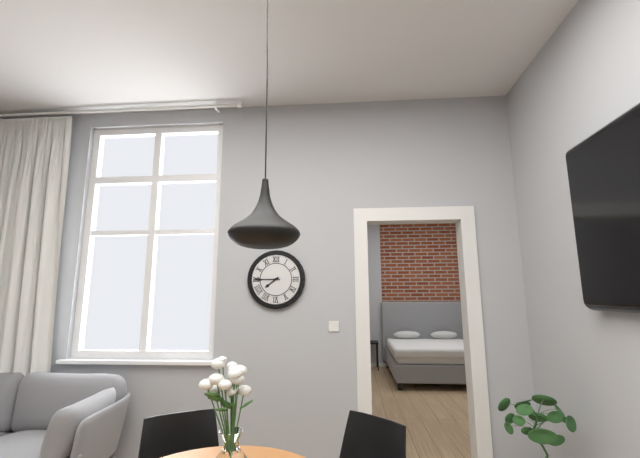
7:45
